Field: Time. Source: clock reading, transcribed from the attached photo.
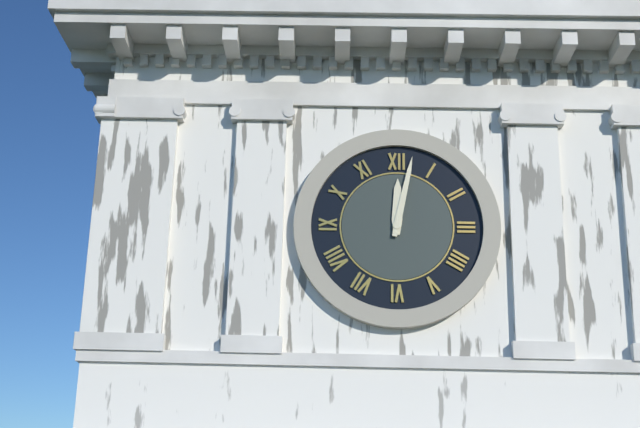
12:02
